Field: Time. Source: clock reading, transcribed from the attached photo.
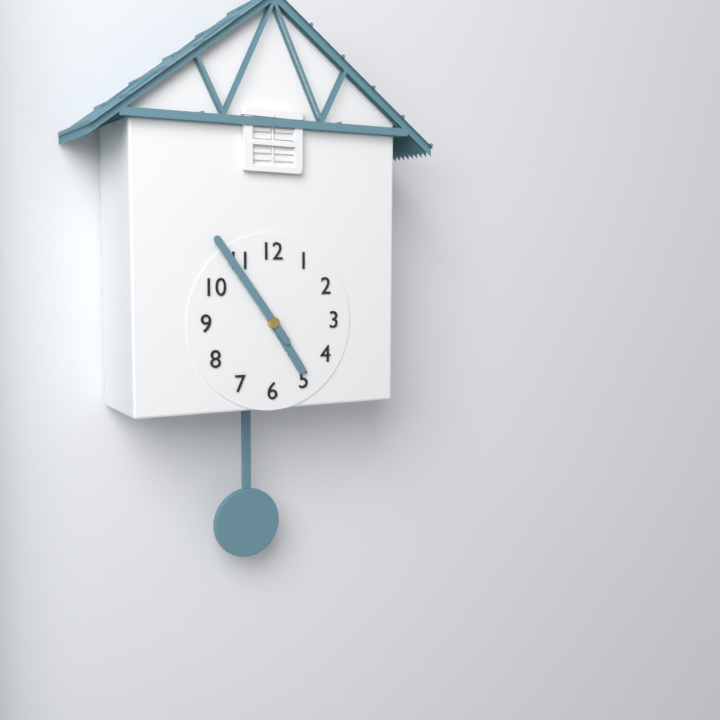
4:54
